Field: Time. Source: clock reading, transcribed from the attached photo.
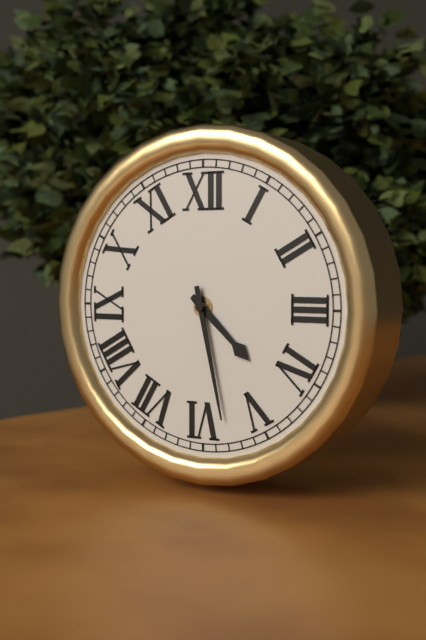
4:28
